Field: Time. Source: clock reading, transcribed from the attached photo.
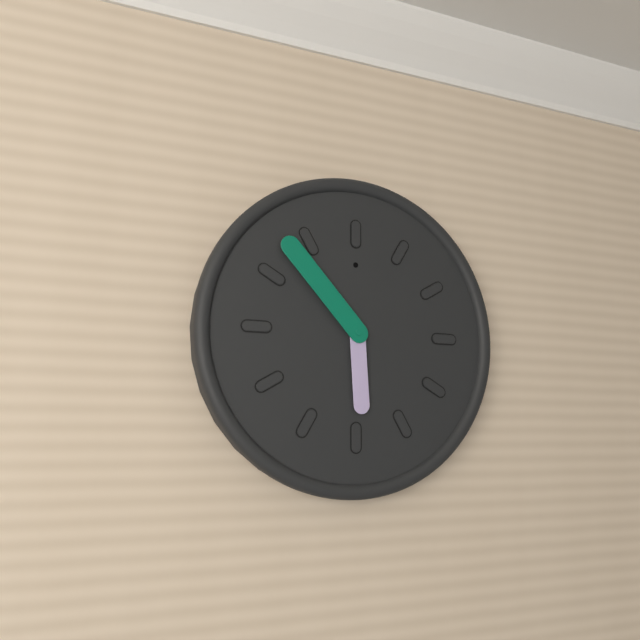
5:53
